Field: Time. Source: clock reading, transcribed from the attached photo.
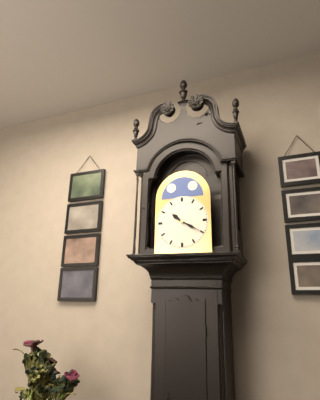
10:20
